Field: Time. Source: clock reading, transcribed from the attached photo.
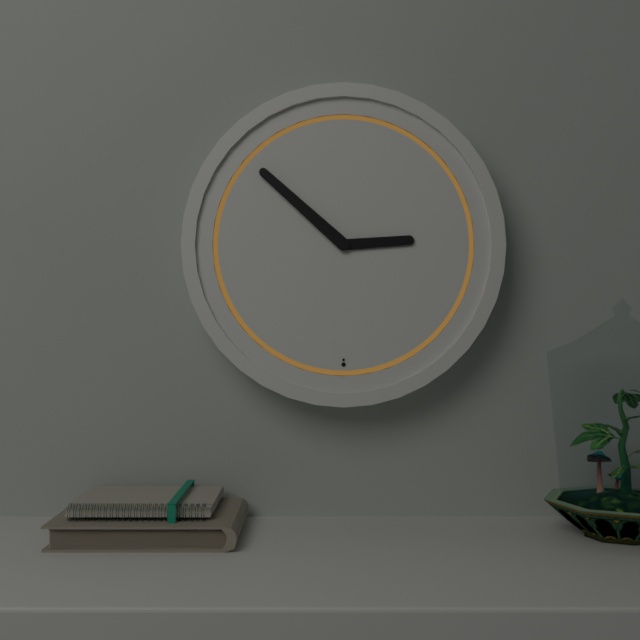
2:52
